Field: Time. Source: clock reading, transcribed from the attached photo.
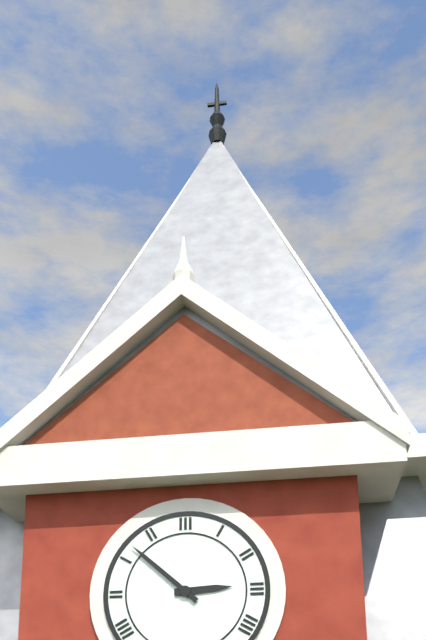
2:52
